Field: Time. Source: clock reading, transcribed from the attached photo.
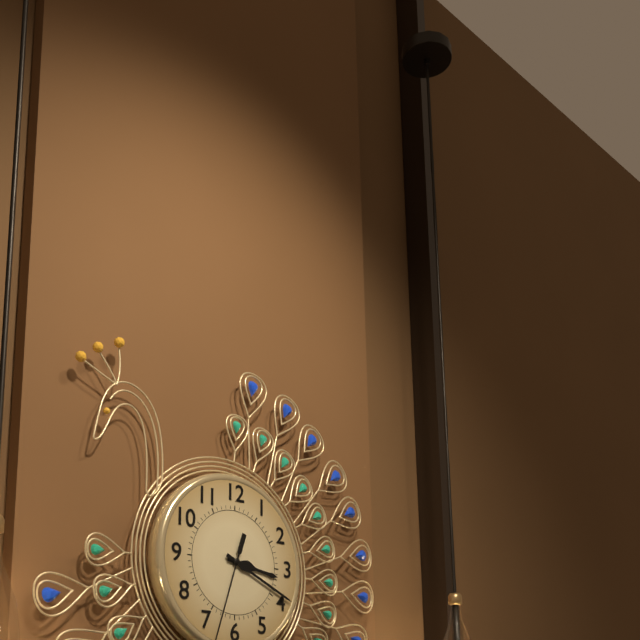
3:19
